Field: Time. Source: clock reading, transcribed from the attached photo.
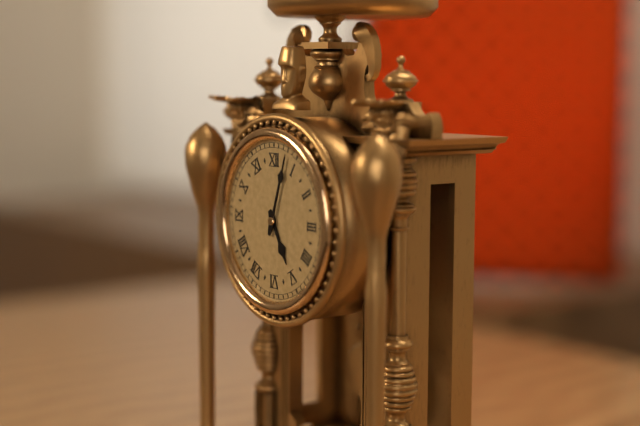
5:03
